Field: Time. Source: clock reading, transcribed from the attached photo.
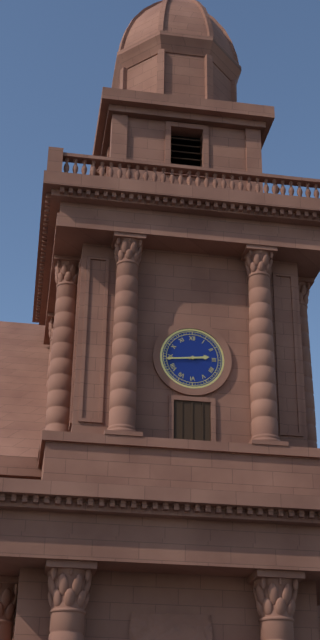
2:44
